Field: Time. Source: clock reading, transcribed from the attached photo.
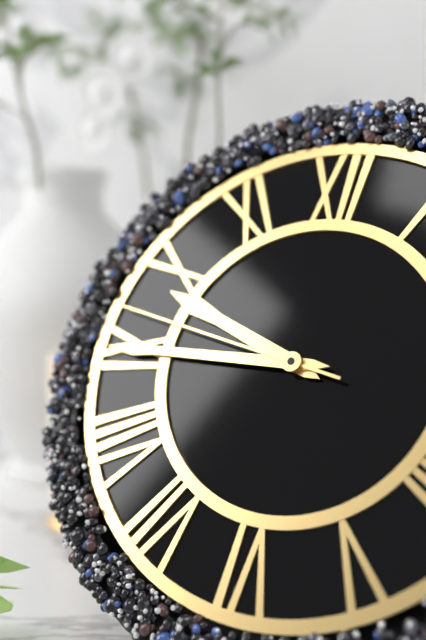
9:45:47
